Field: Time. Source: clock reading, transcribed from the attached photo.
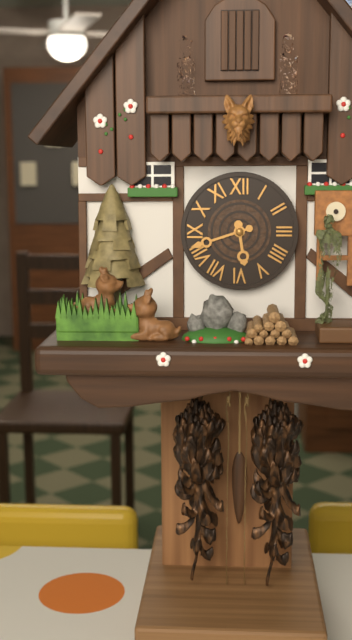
5:42
